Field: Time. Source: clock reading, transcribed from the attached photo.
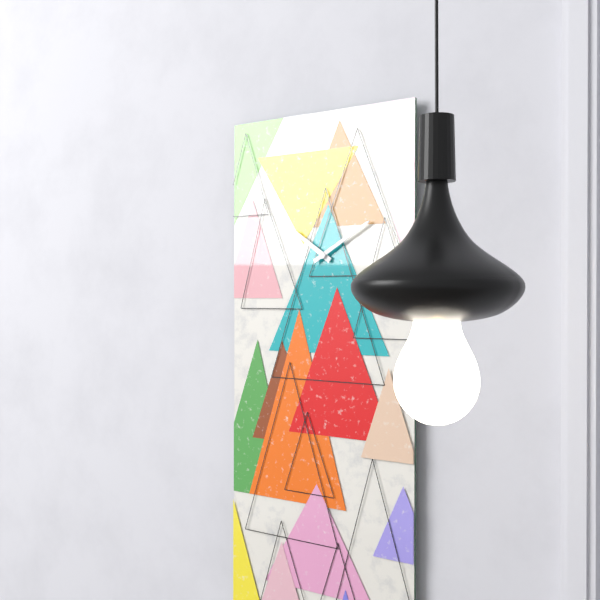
10:10
